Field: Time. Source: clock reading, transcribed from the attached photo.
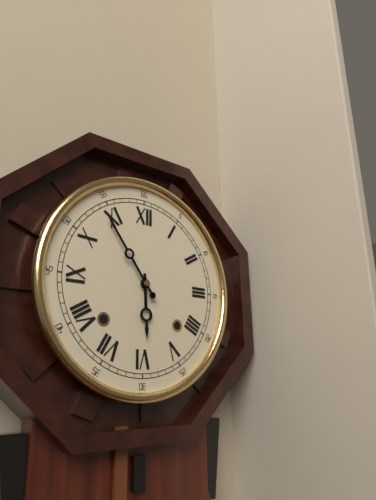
5:54
